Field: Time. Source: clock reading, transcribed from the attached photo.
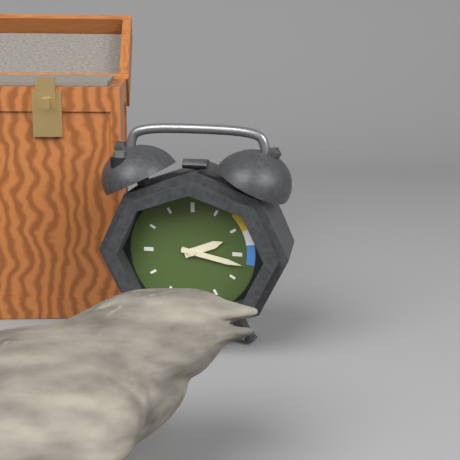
2:17
